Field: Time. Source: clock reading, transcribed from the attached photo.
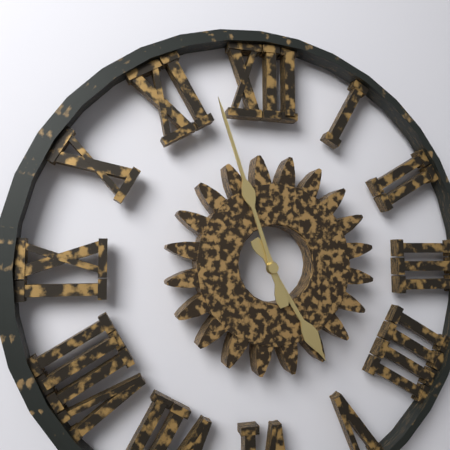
4:57
